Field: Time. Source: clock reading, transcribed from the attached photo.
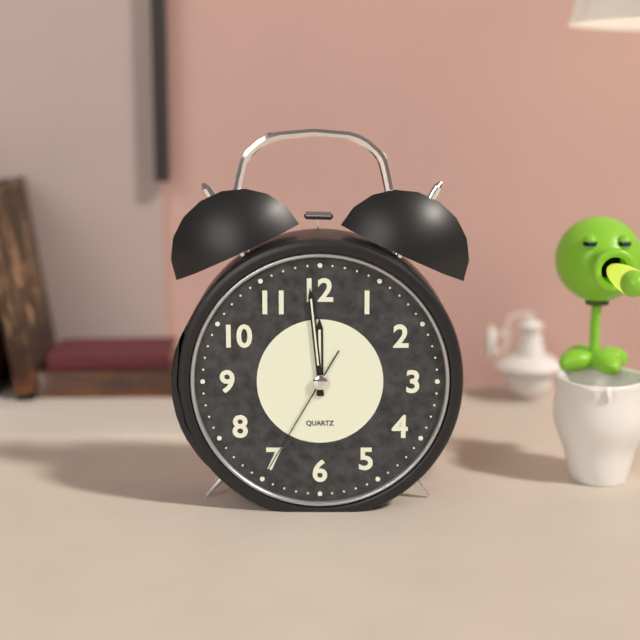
11:59:35
